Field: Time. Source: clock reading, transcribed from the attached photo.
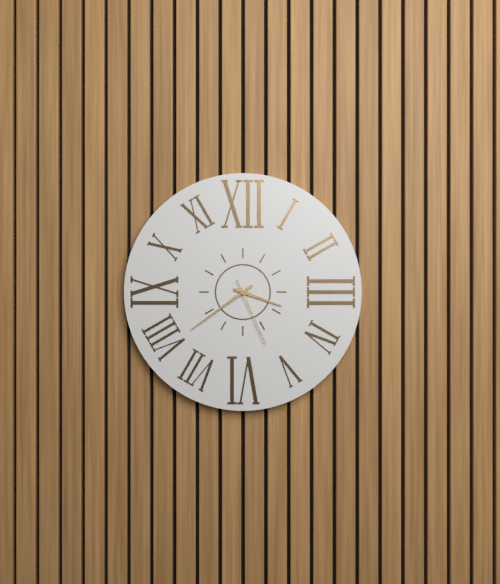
3:39:26
